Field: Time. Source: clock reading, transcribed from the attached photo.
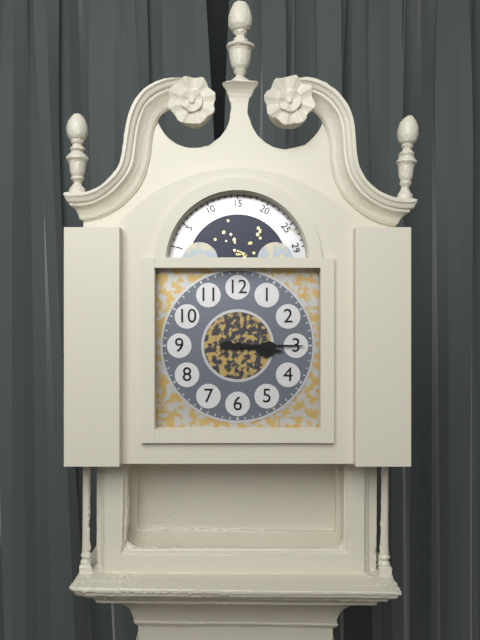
3:15
